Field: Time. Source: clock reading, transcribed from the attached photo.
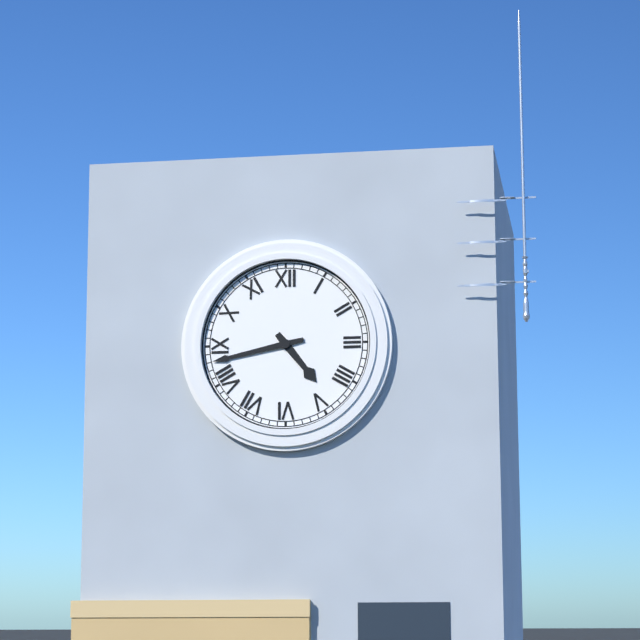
4:43
